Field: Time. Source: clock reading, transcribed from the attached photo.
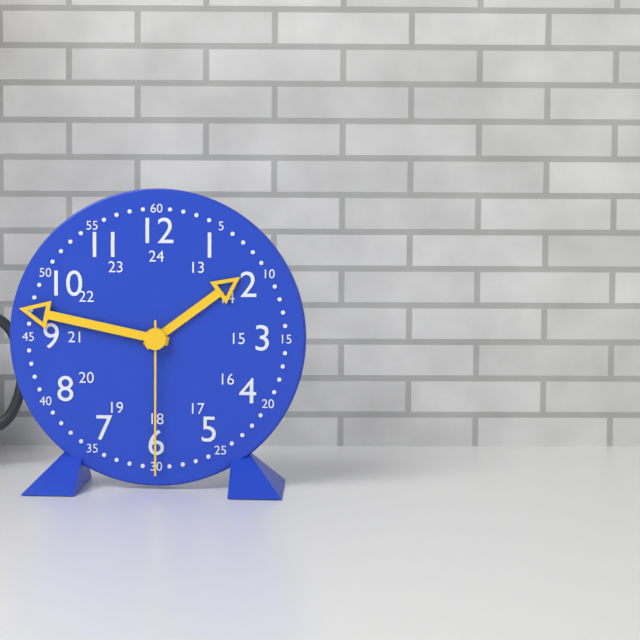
1:47:30
